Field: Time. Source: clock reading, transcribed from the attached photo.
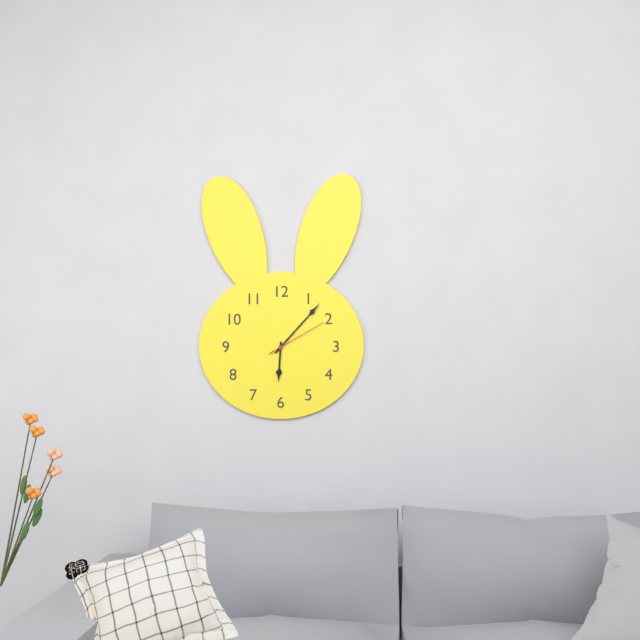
6:07:10
